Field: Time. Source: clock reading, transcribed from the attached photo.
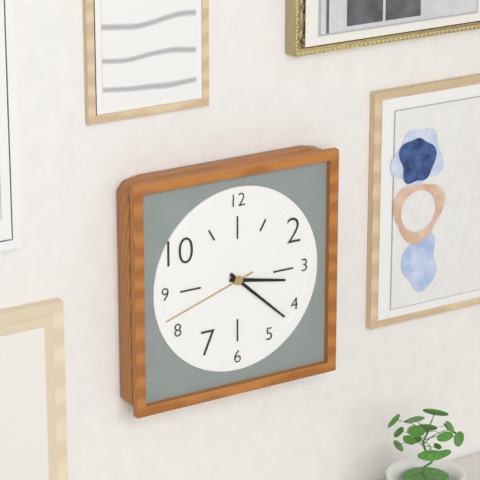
3:22:42
